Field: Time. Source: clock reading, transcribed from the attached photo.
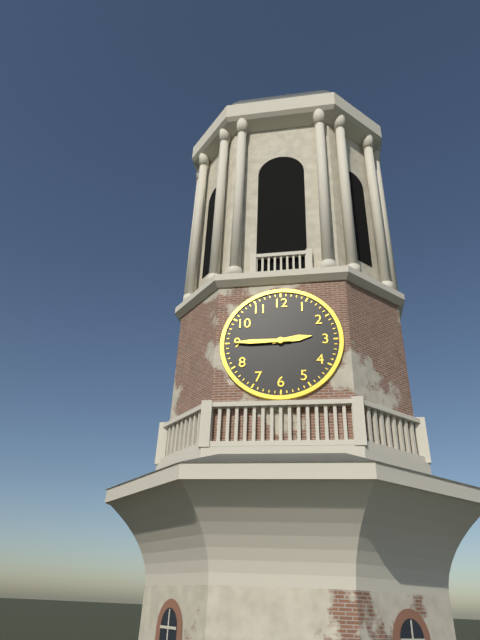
2:45
